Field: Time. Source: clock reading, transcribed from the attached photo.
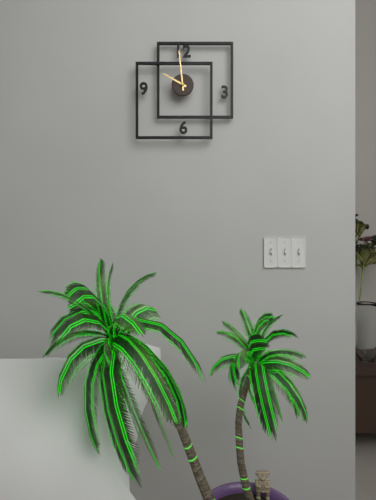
9:59
